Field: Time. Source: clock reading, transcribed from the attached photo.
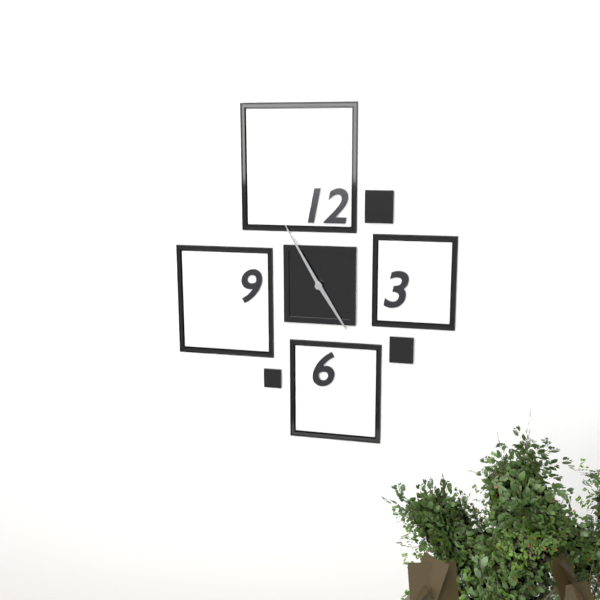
4:55
